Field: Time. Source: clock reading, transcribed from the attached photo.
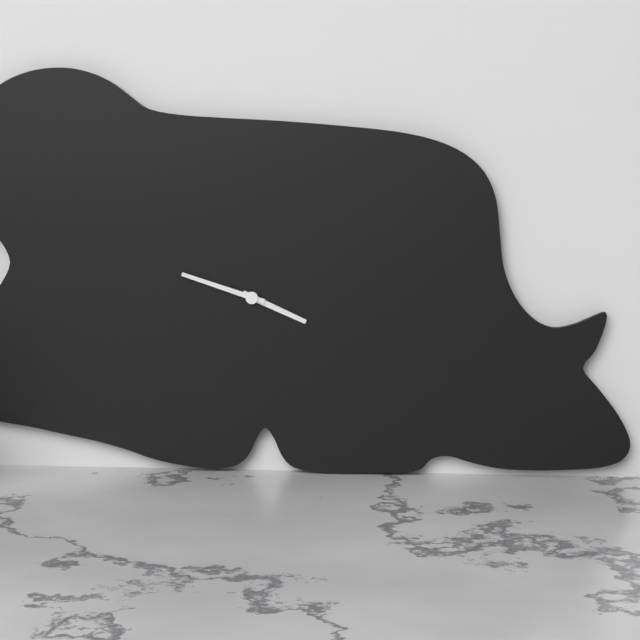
3:48
